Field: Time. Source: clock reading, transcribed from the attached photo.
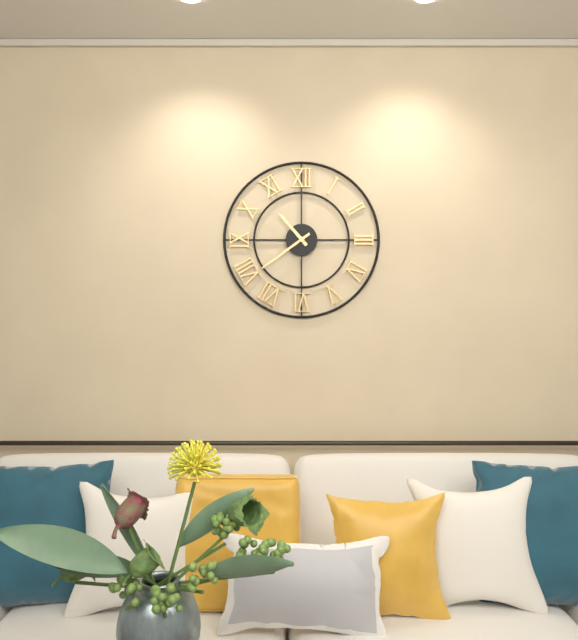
10:39
